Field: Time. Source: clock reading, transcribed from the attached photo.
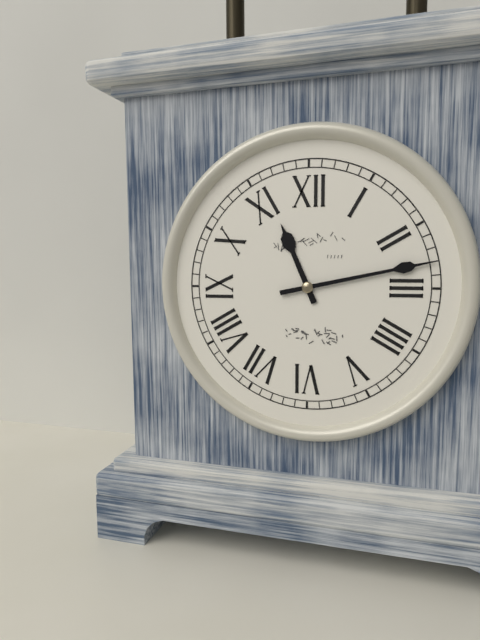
11:13
